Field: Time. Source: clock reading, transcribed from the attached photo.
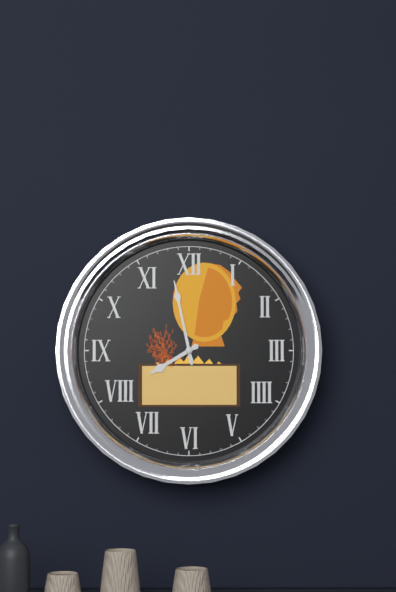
7:58
